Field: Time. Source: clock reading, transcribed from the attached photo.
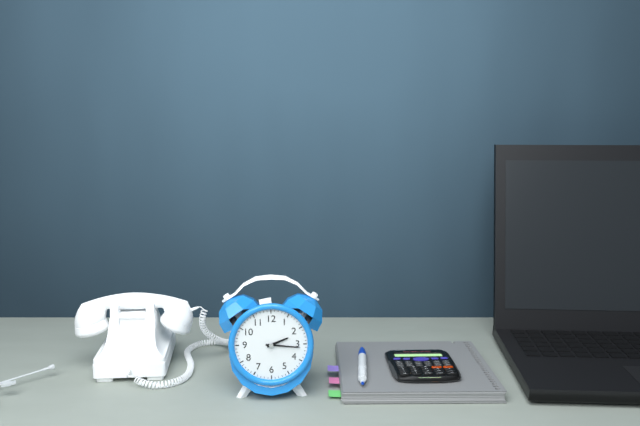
2:16
